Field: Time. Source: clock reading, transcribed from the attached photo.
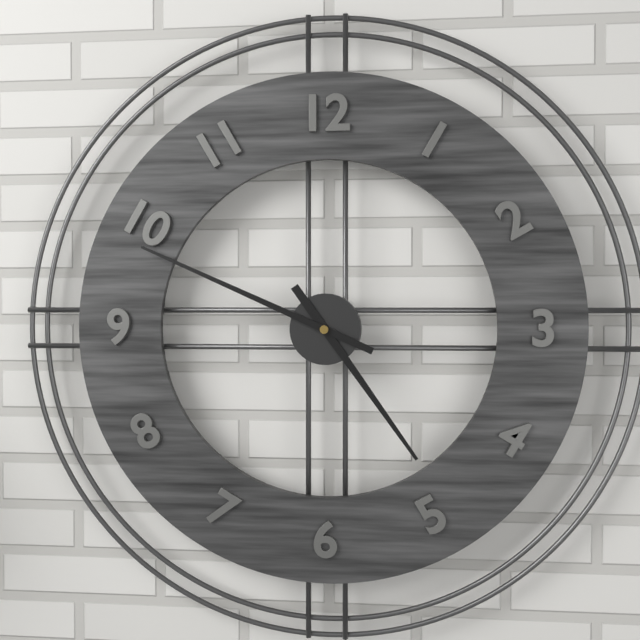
4:49
